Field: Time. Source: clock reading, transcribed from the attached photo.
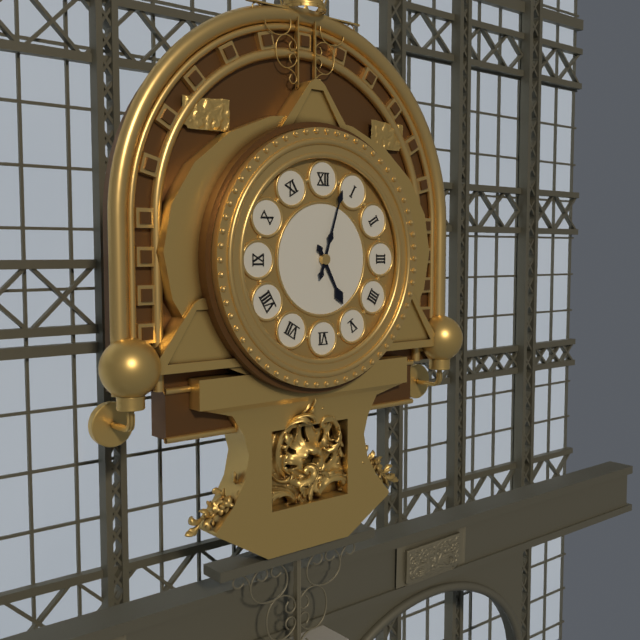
5:03
